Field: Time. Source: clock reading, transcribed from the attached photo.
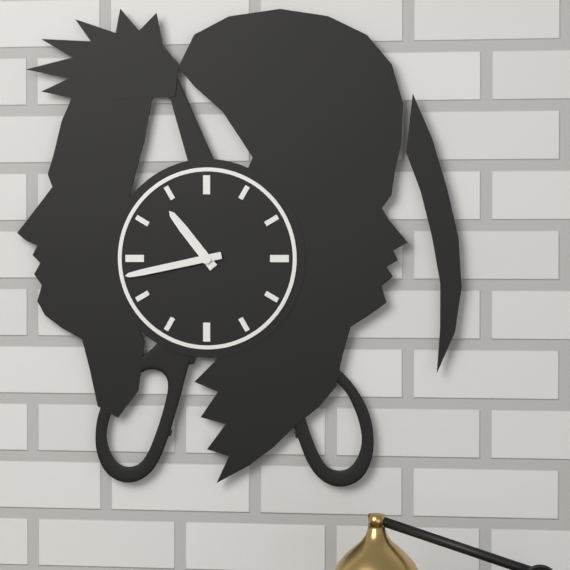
10:43
